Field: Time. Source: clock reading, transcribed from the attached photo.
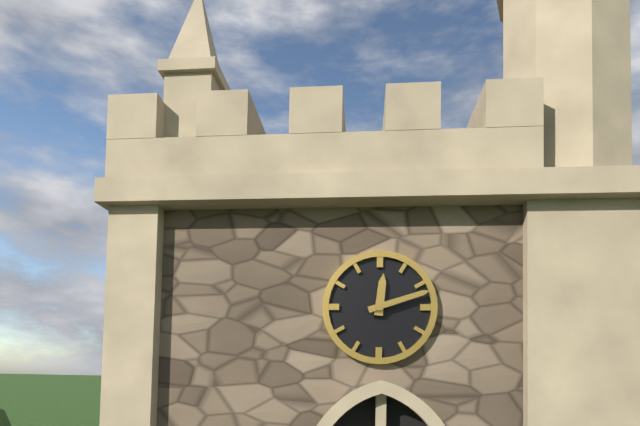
12:12
